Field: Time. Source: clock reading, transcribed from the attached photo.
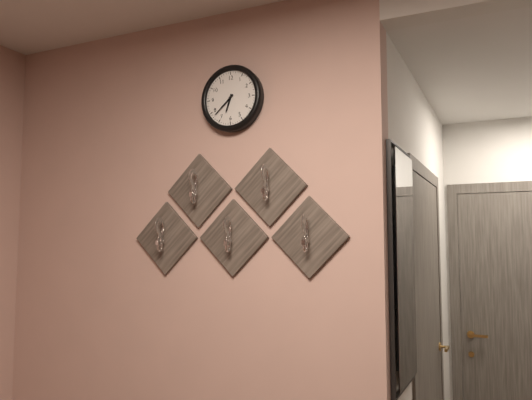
6:38
